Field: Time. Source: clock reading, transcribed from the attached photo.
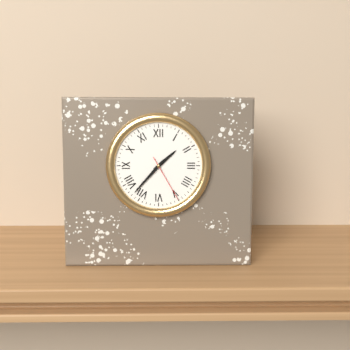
1:37
